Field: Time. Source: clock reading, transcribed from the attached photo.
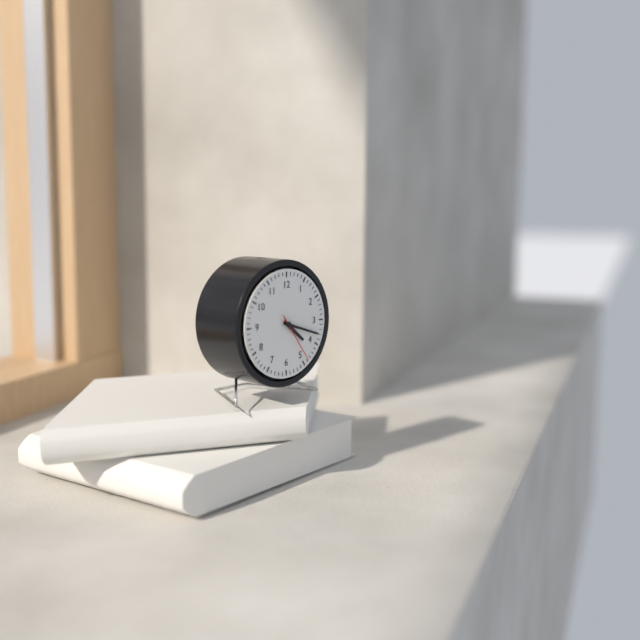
4:18:24
